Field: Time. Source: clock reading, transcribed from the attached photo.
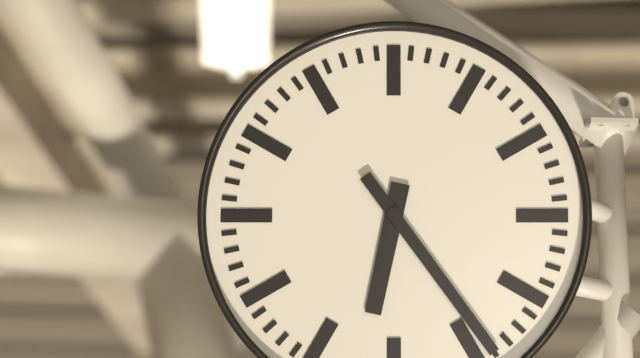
6:24
